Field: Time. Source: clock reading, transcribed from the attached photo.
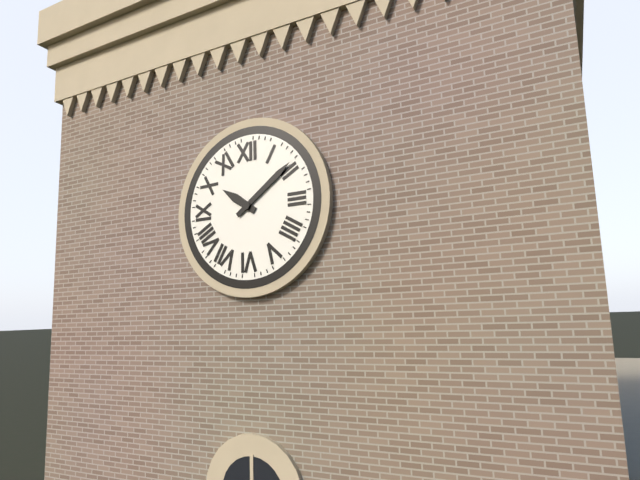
10:09
